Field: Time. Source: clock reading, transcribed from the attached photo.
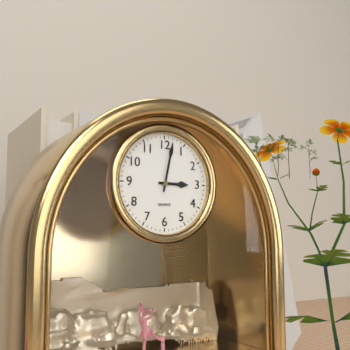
3:02
